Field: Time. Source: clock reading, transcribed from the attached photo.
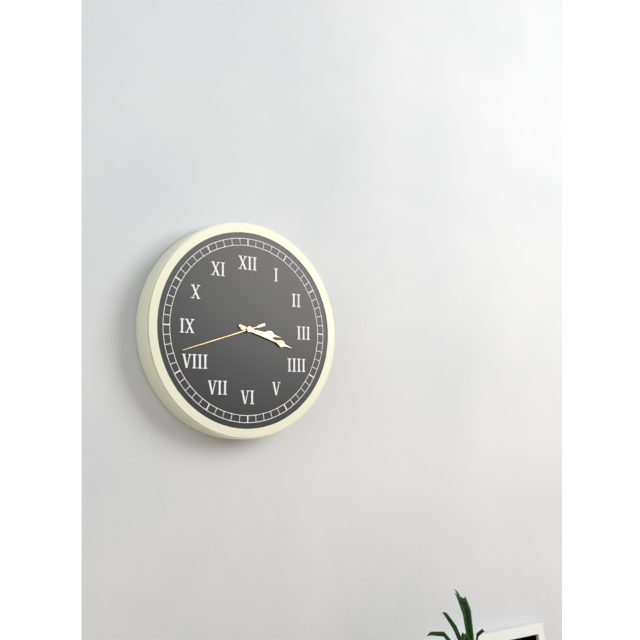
3:18:42
